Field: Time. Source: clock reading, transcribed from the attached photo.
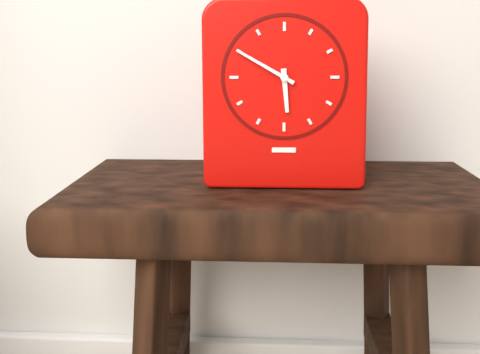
5:50
